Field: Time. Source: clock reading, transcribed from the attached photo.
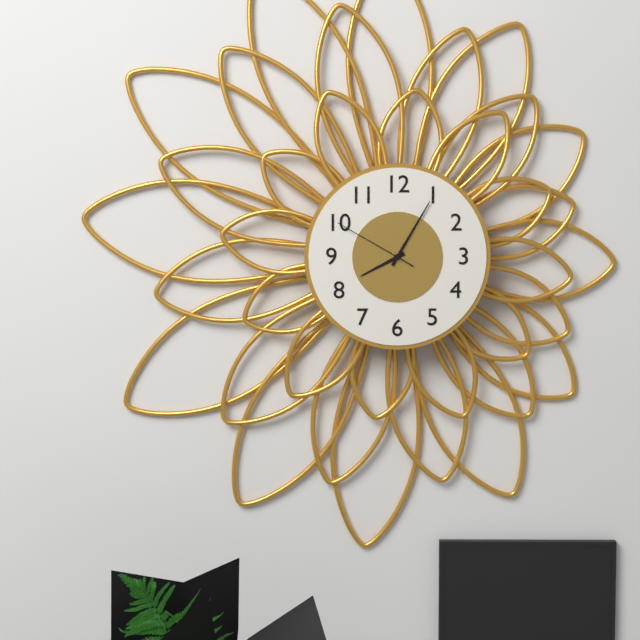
8:05:50
